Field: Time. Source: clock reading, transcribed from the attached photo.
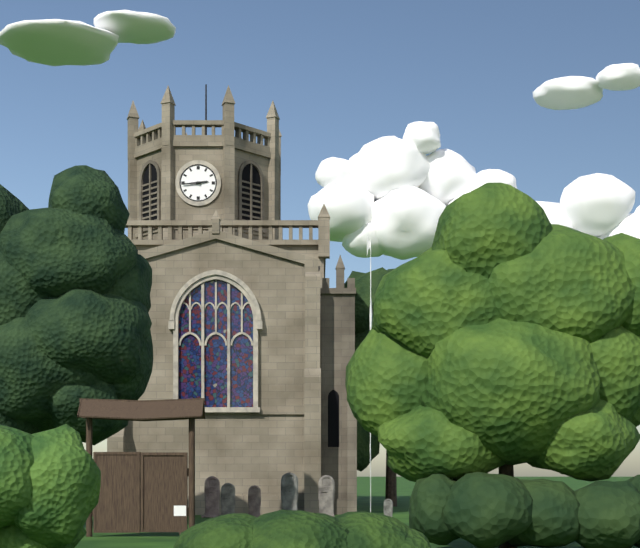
2:44
